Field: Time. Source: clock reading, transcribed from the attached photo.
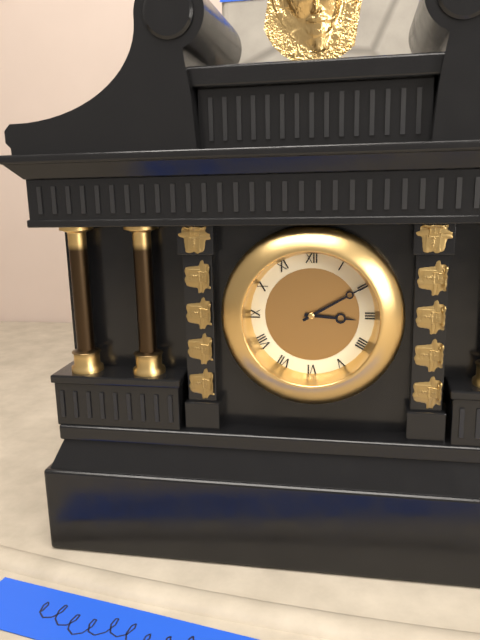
3:10
